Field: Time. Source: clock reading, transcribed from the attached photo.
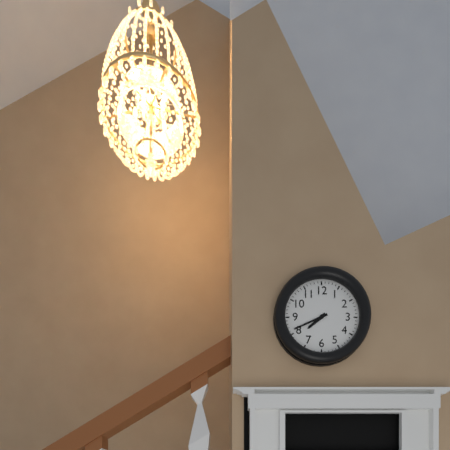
7:41
